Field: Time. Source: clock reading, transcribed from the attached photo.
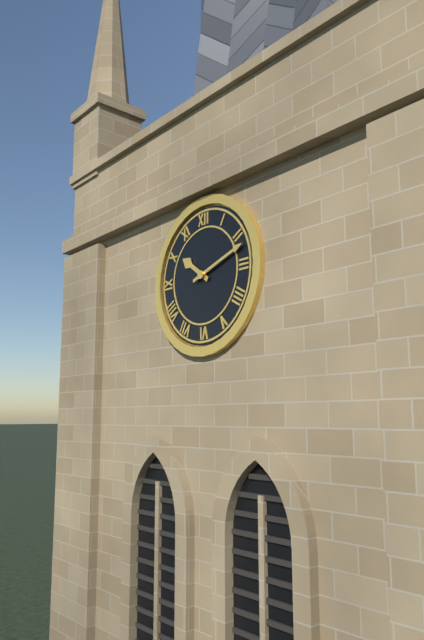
10:12
